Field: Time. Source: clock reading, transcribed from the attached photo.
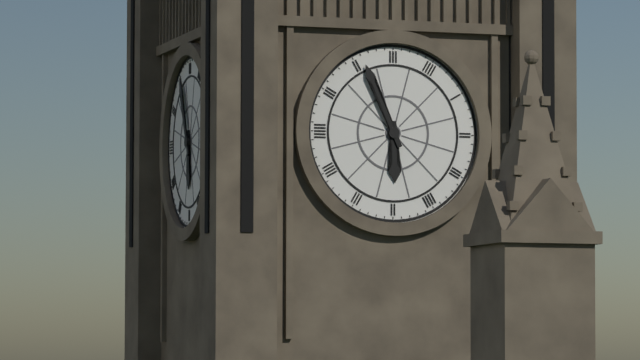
5:56
